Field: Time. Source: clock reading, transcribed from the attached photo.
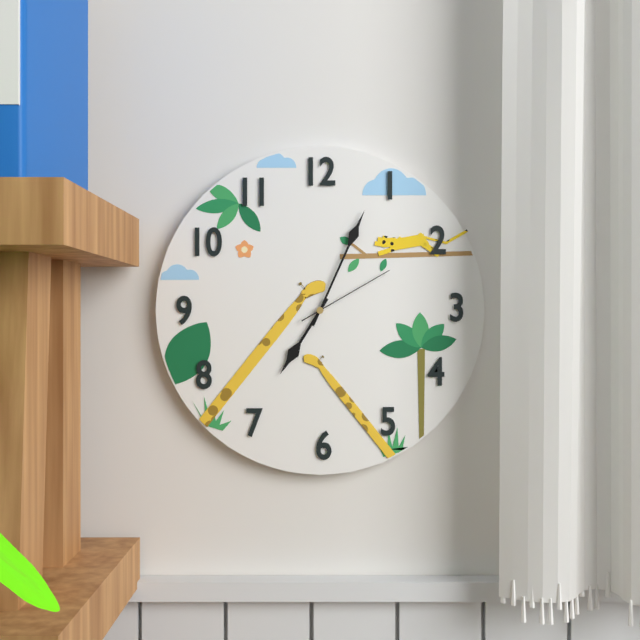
7:04:10
